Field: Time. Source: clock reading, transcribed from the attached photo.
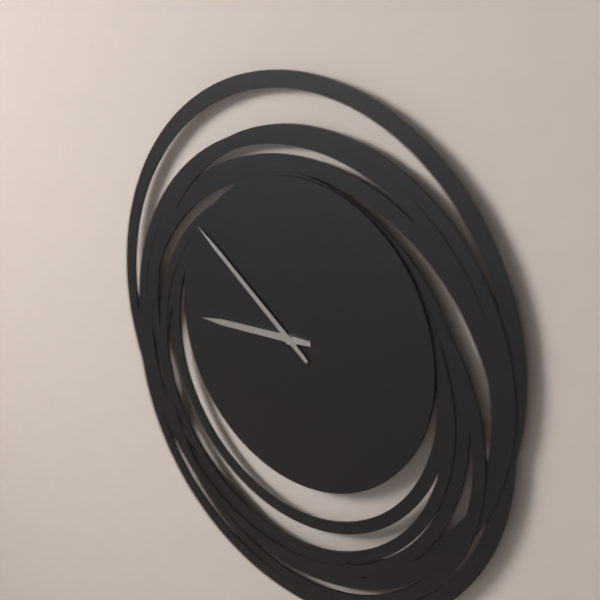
8:51
